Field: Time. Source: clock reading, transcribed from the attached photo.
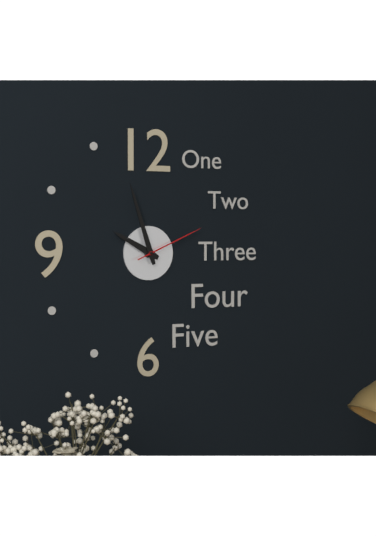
9:57:11
